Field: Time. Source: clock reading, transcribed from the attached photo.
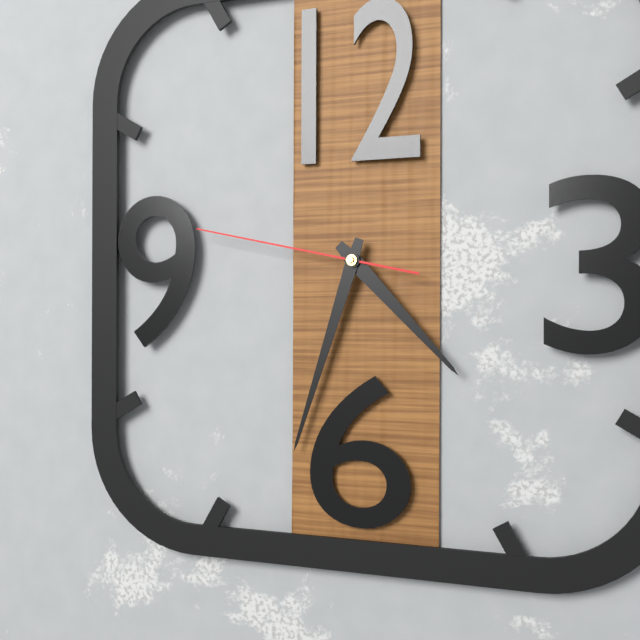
4:33:47
